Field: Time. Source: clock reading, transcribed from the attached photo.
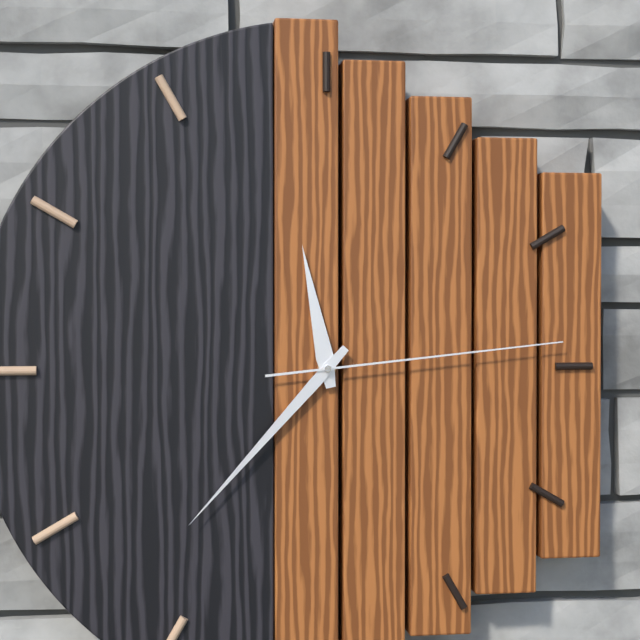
11:37:14
